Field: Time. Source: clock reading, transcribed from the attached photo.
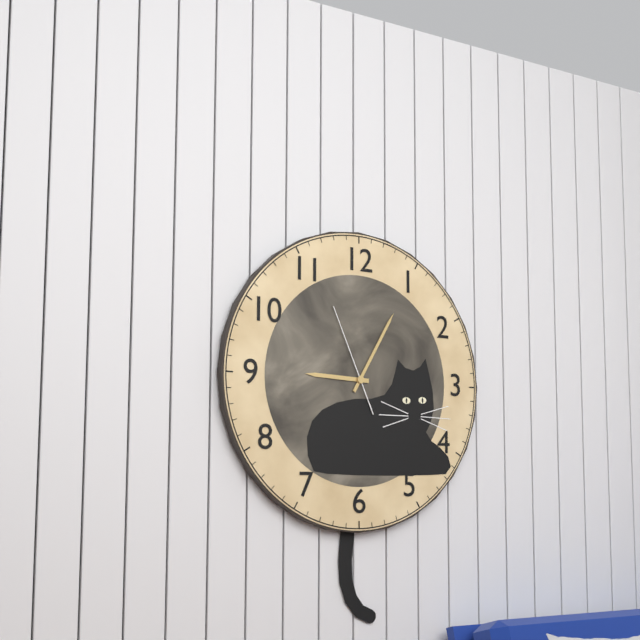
9:05:56
